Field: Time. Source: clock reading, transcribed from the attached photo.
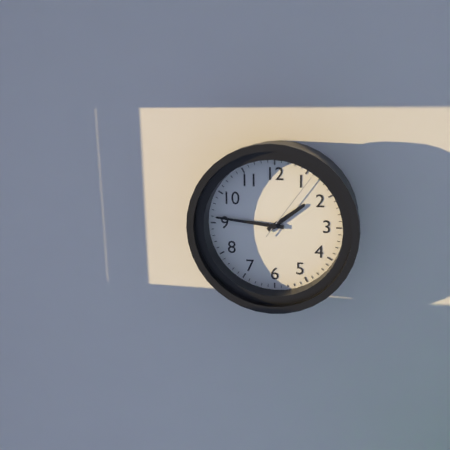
1:46:06
